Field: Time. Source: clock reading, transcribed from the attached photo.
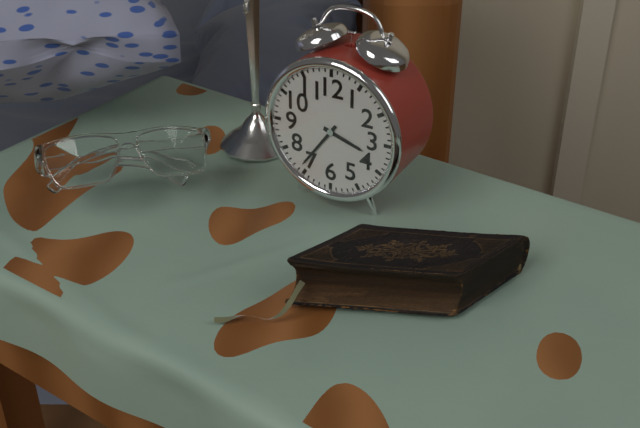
3:36
